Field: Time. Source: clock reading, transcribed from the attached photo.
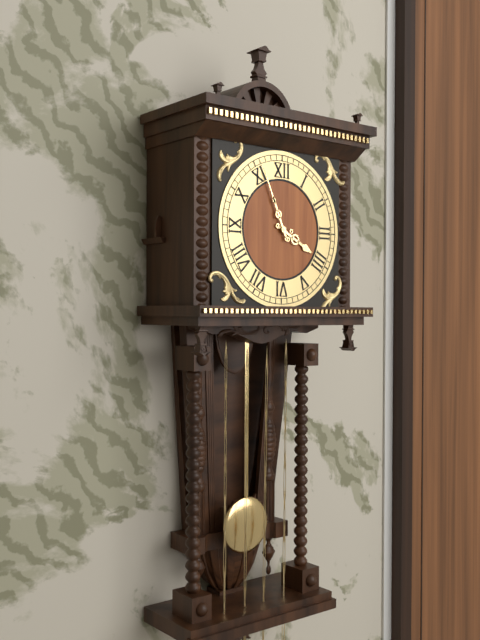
3:56
